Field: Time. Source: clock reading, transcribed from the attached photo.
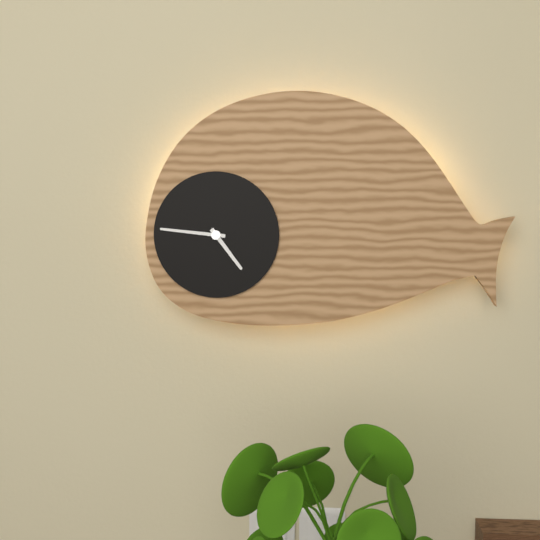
4:46
